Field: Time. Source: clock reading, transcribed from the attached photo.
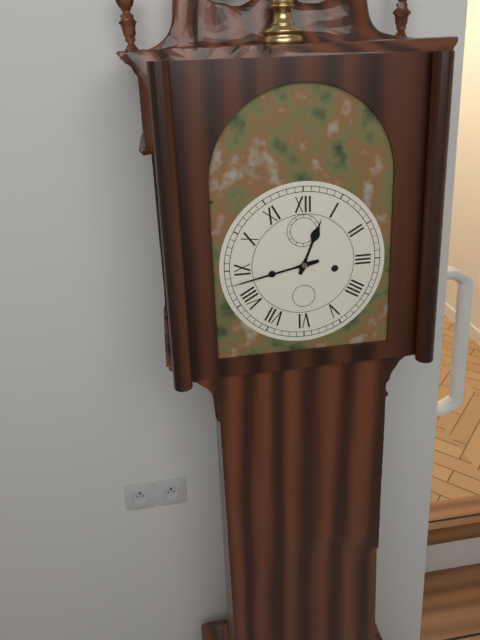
12:43
